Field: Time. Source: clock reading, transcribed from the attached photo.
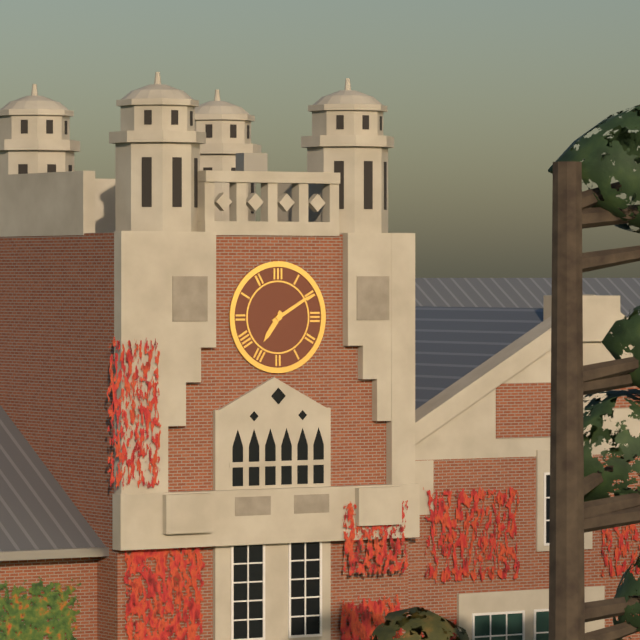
7:10
